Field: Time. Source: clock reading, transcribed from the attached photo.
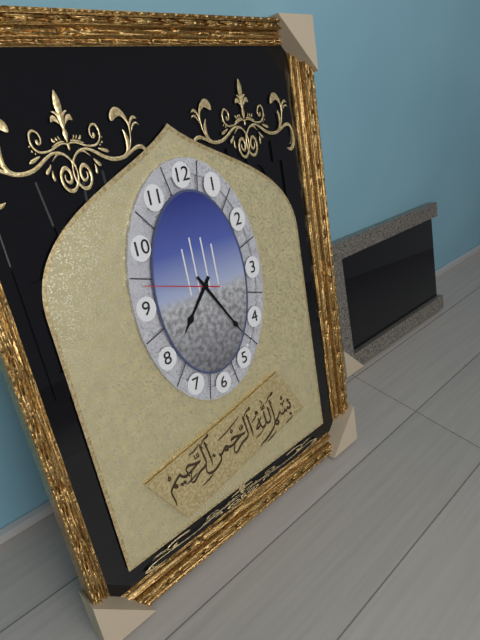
7:25:48
